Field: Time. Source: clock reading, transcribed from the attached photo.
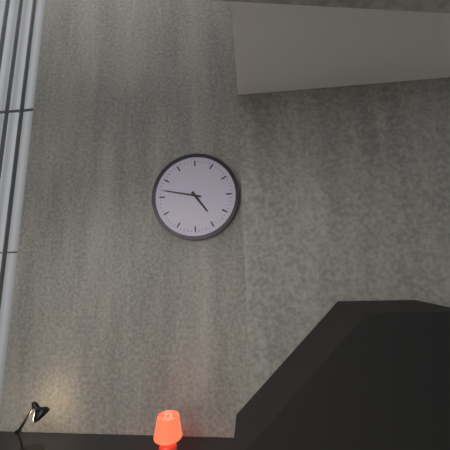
4:47
